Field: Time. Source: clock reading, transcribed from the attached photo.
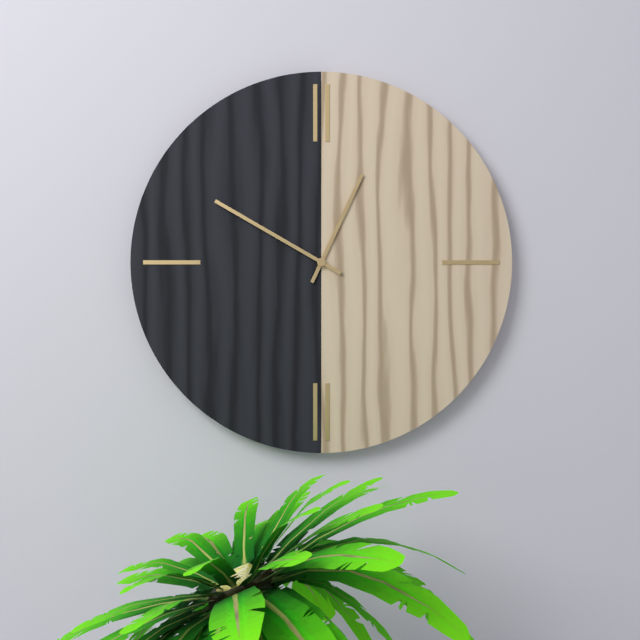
12:50
